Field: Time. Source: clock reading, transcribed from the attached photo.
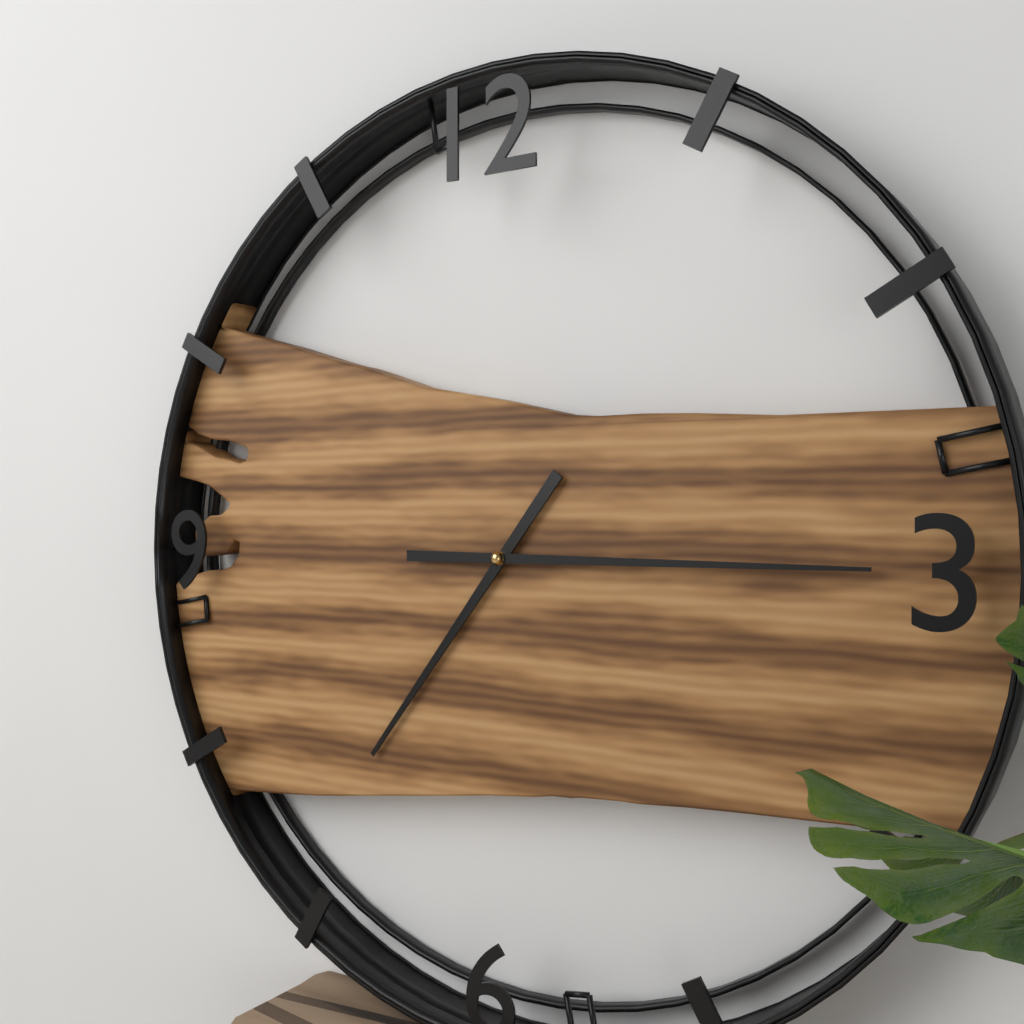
7:15
